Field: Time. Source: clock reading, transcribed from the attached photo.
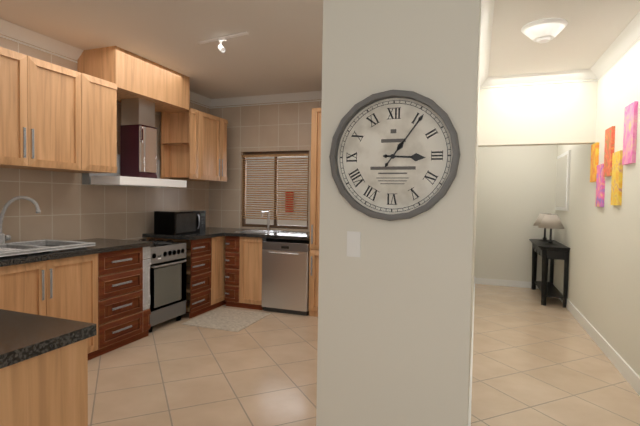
3:06
